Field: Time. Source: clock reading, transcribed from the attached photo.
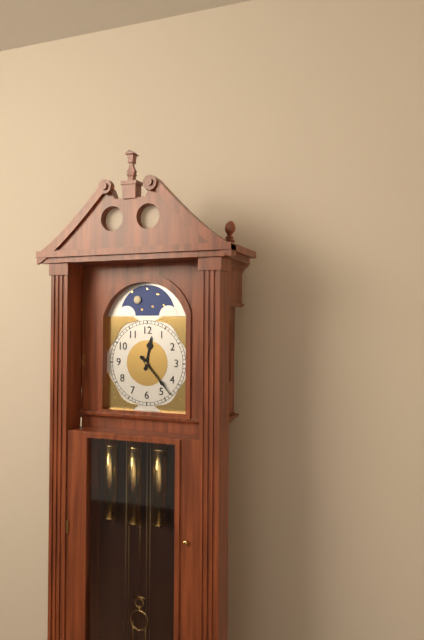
12:23
